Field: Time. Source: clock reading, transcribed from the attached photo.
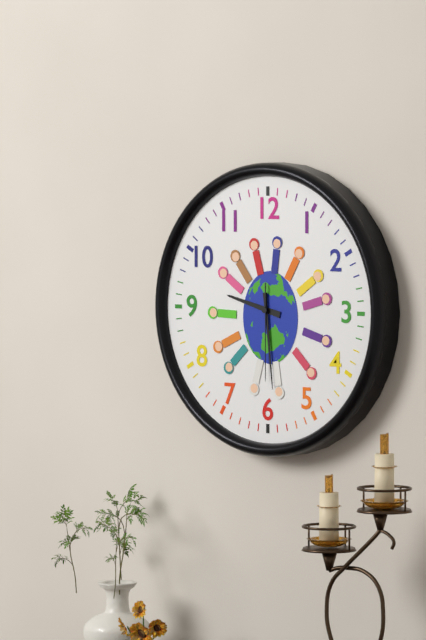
9:29:30
